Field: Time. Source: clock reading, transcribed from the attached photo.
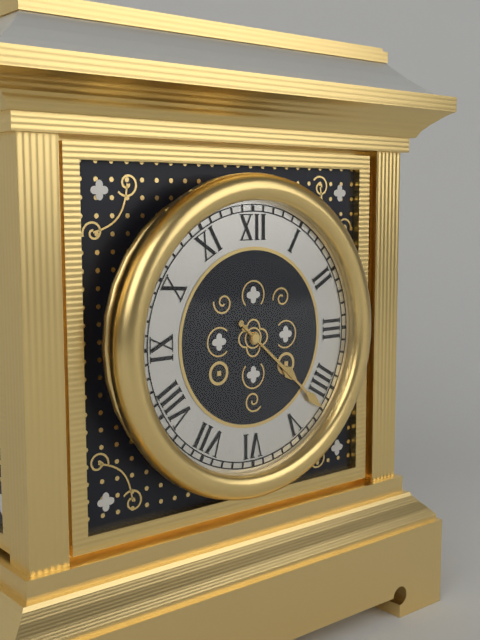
4:22
